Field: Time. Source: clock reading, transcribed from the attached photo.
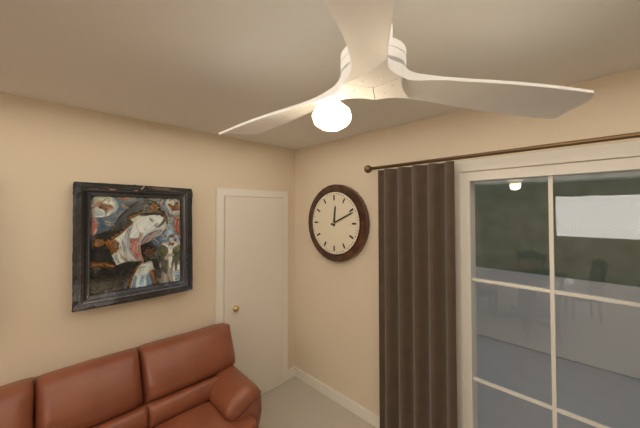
12:11
